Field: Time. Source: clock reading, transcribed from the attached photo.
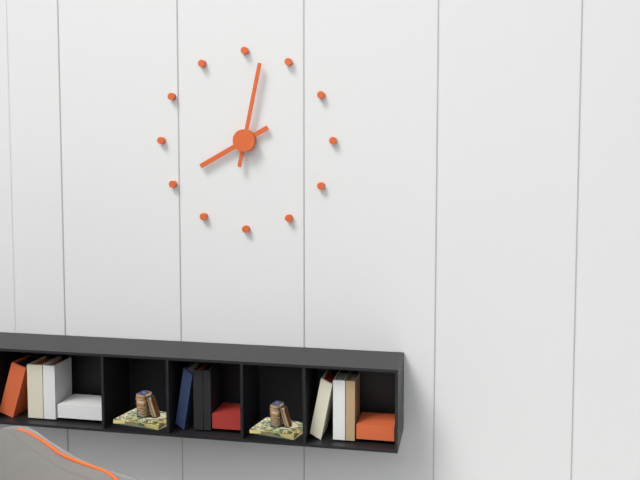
8:02
